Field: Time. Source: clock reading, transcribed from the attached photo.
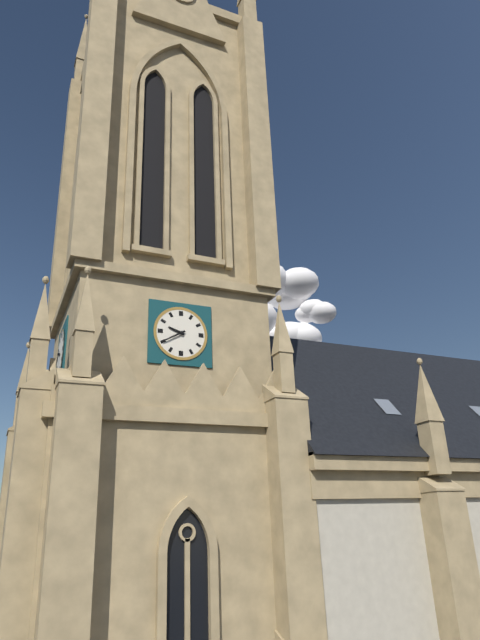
9:40
